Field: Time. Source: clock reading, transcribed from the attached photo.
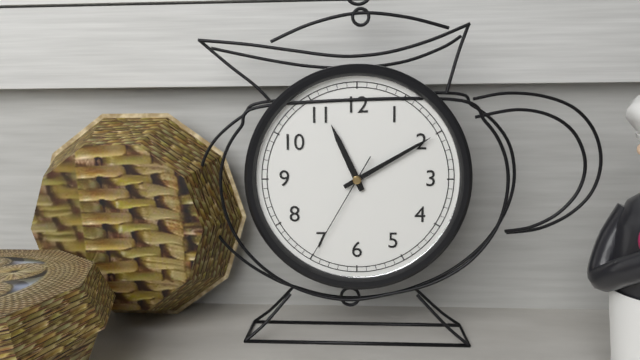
11:10:35
